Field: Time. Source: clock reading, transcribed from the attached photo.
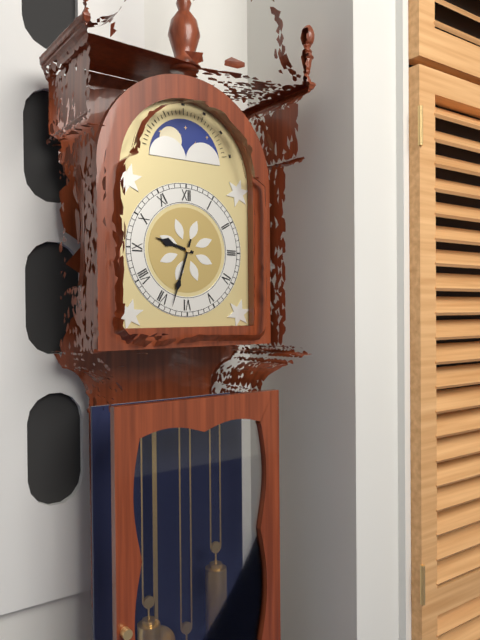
9:33
